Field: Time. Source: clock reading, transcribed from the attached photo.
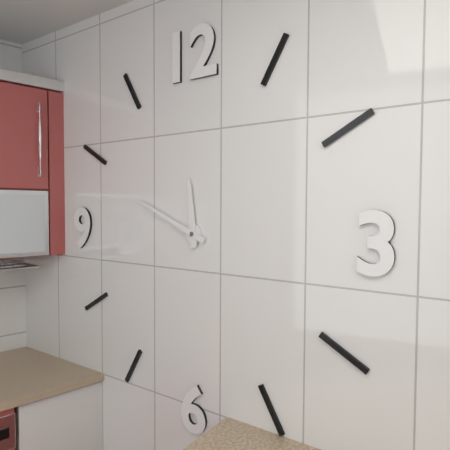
11:49
